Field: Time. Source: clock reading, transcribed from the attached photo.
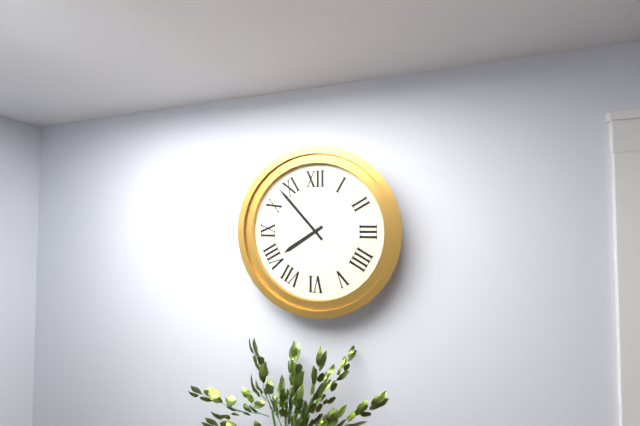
7:53
